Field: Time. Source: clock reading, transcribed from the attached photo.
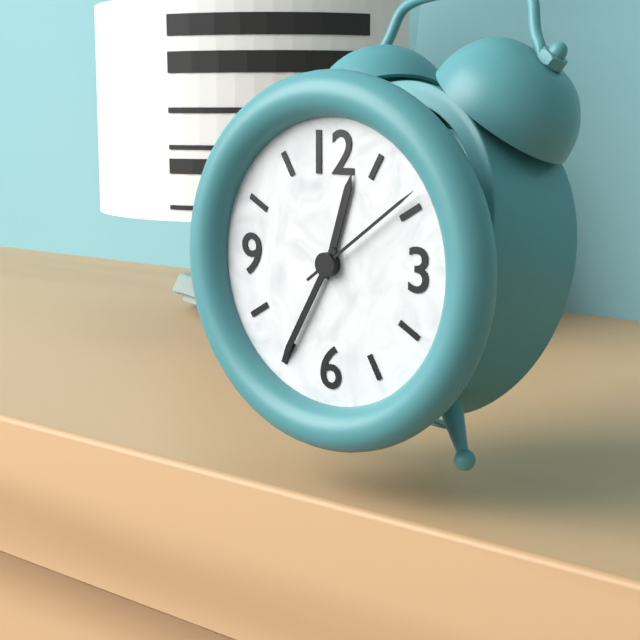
12:35:09
